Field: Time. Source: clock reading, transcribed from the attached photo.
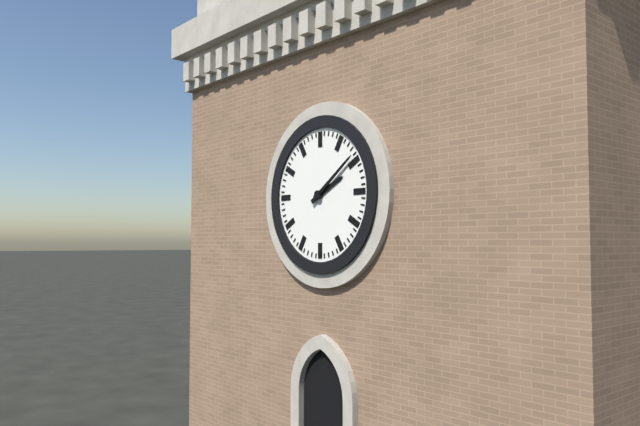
2:09
